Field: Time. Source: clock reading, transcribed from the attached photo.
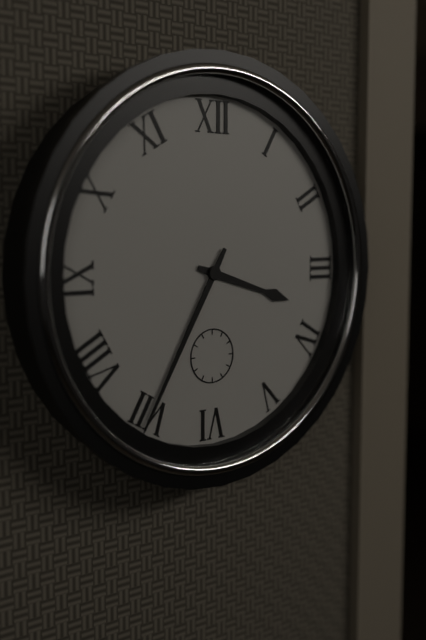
3:35
